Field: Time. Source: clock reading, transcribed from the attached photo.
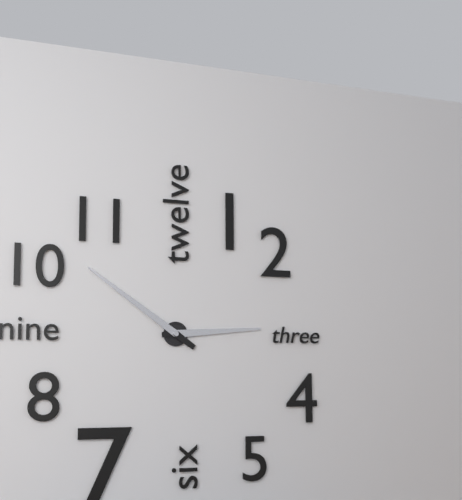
2:51
